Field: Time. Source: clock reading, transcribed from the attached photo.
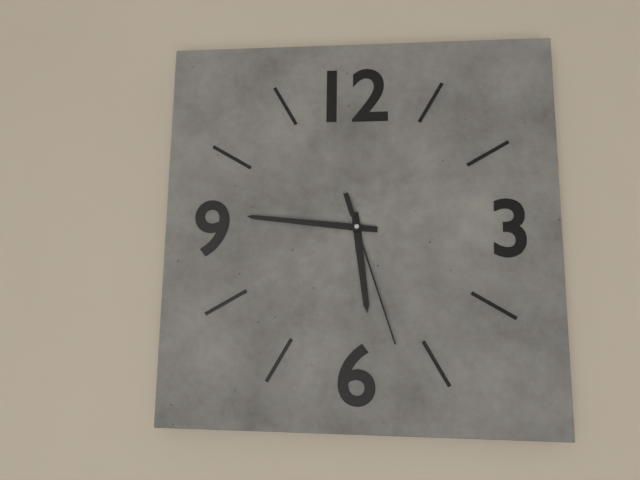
5:46:27
